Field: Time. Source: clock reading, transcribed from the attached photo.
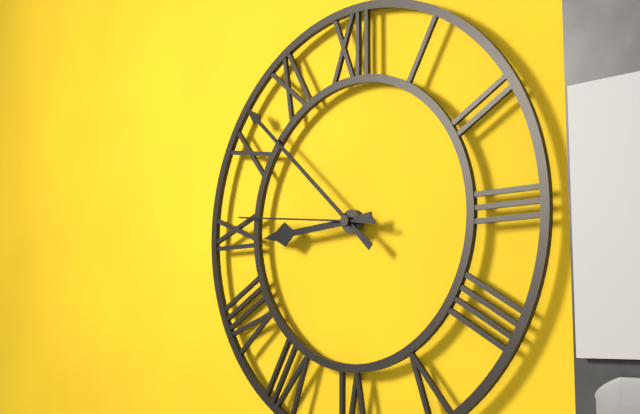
8:52:46
